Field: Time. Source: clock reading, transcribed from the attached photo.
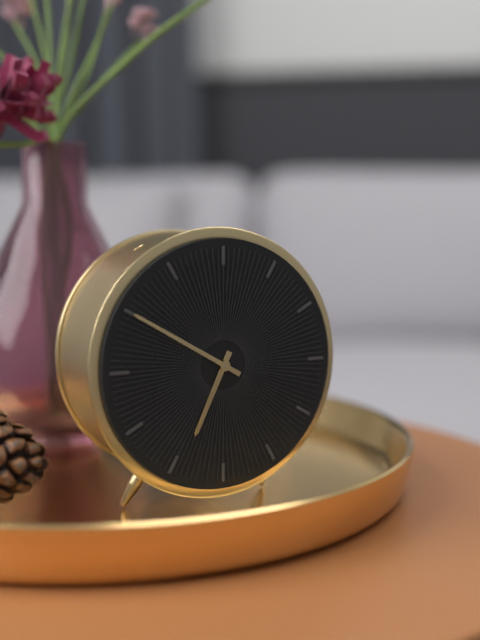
6:50
